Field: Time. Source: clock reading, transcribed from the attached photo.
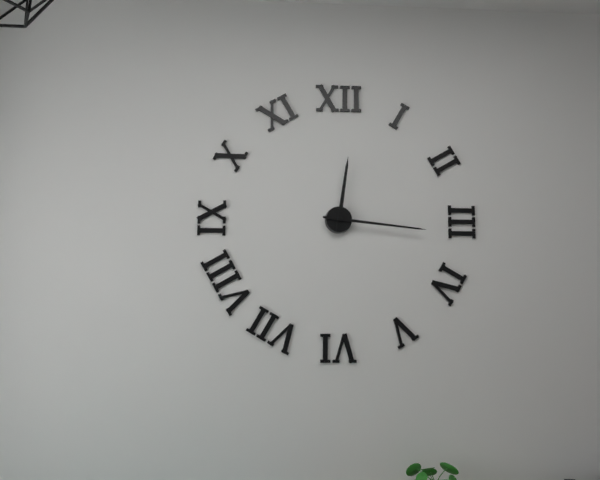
12:16
